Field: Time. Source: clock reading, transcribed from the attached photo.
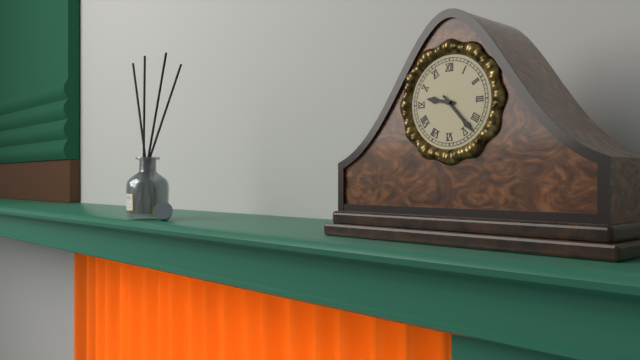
9:23
